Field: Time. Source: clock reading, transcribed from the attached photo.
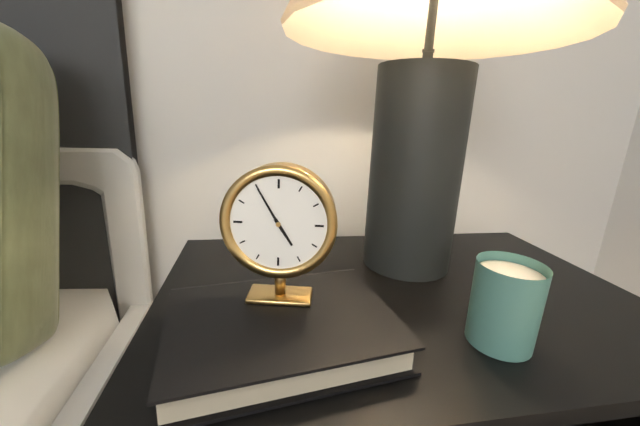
4:55
